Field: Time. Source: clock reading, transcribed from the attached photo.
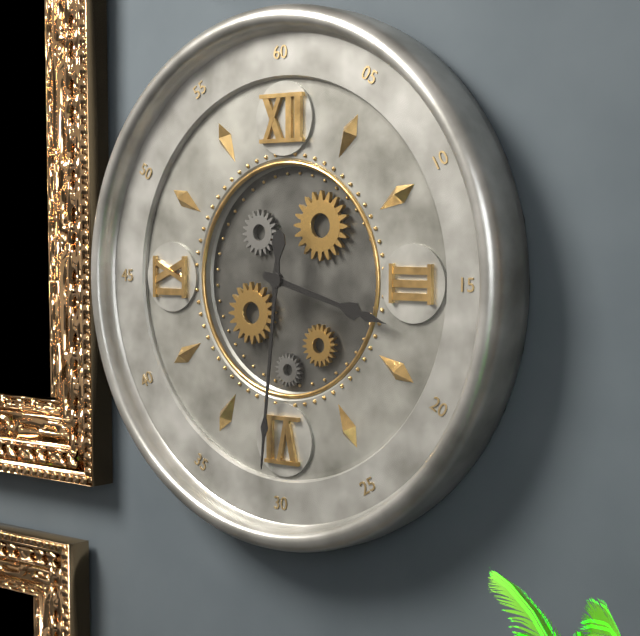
3:31
